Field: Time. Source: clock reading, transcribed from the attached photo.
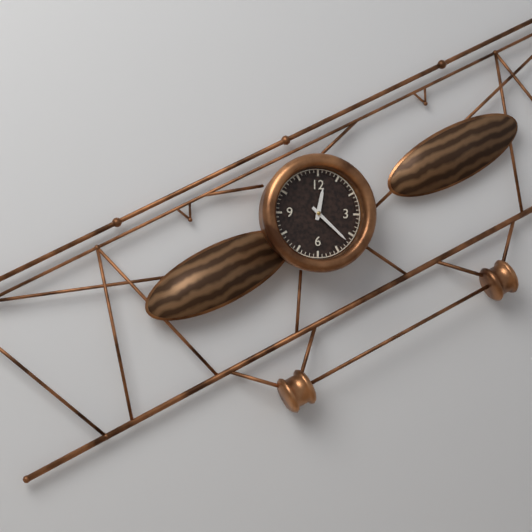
12:22
